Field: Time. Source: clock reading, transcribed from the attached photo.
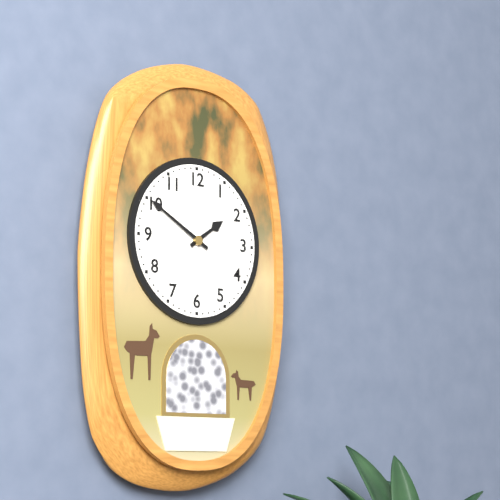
1:50
